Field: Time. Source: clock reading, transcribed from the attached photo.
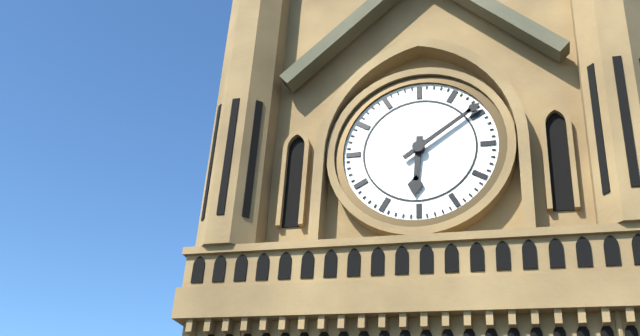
6:09
